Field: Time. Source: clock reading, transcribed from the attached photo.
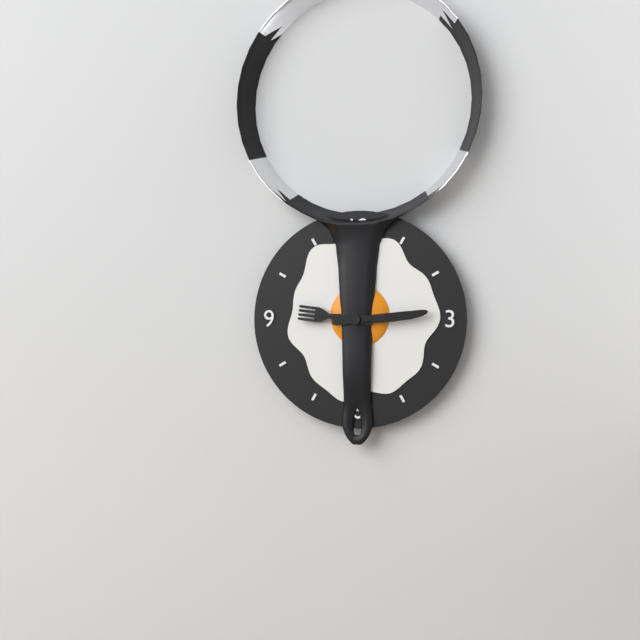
9:14
